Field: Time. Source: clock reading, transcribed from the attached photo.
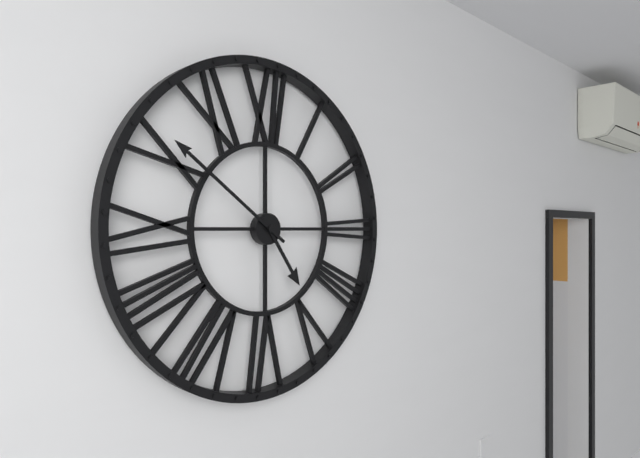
4:51
